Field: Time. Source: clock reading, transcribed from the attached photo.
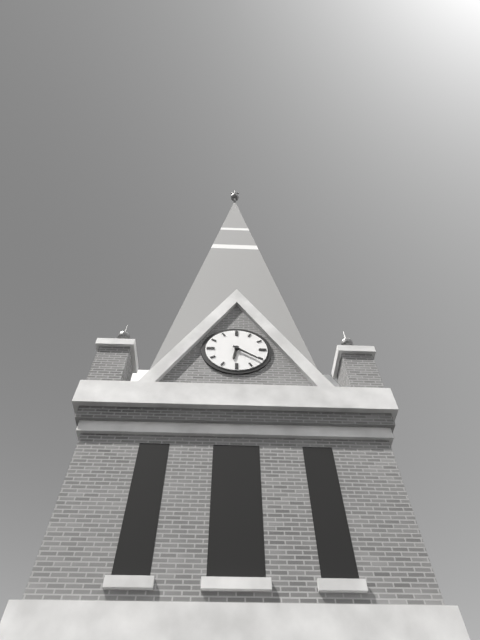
6:21
